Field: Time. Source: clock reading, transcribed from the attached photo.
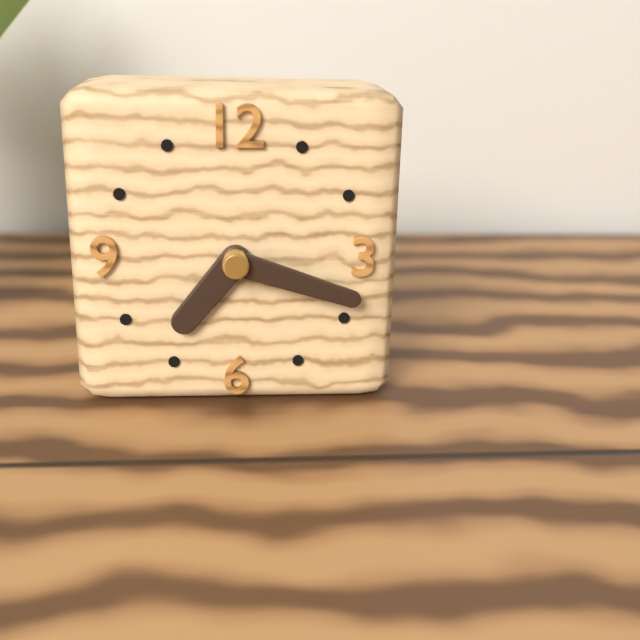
7:18
